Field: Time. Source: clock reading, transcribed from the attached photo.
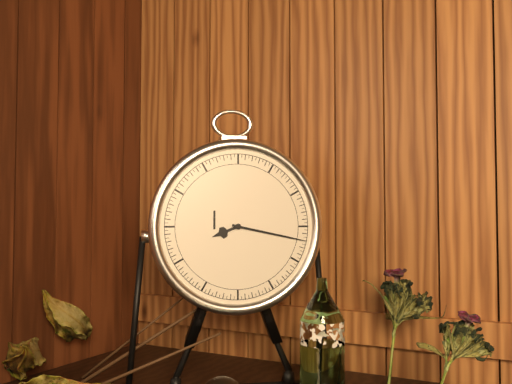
8:17
